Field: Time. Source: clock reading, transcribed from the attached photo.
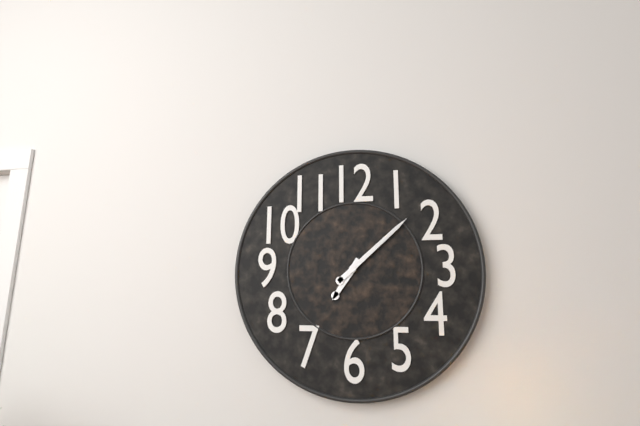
7:08
